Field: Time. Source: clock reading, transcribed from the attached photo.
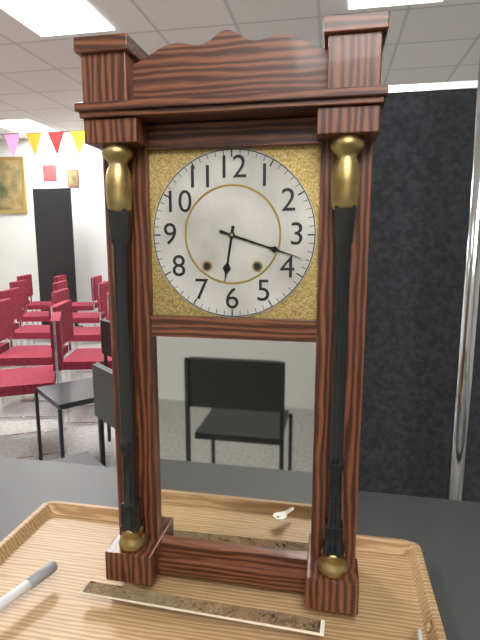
6:18
